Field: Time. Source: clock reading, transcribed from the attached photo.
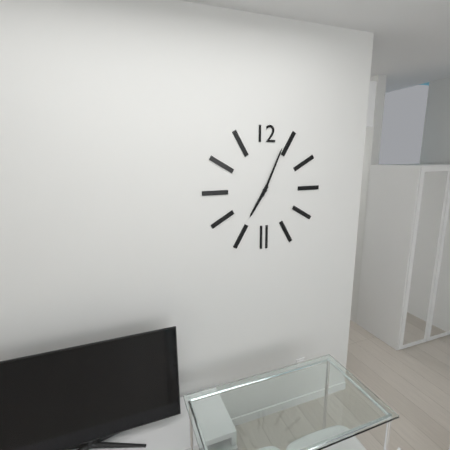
7:04
